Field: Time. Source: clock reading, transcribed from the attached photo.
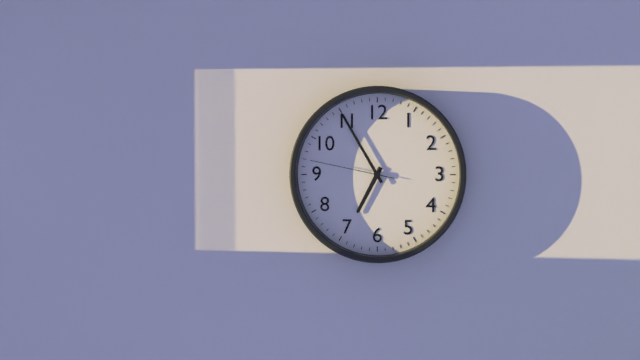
6:55:47
